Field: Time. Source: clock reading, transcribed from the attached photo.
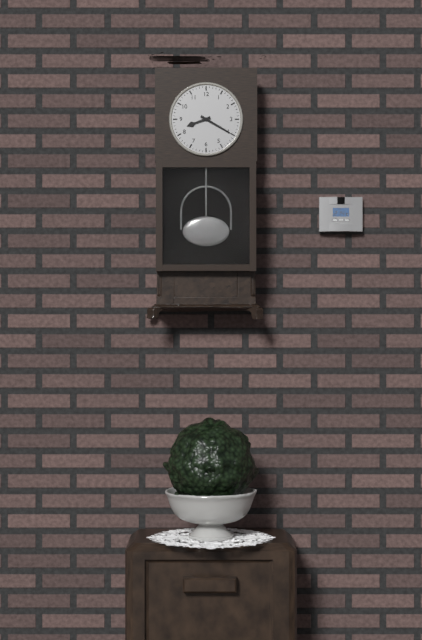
8:20
